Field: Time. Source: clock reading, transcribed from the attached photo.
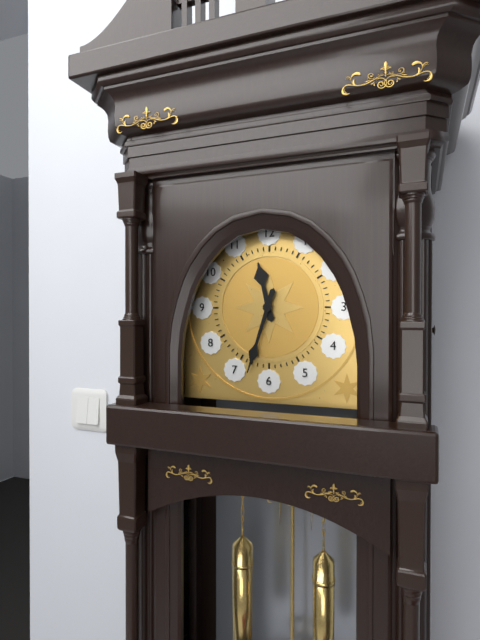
11:33
